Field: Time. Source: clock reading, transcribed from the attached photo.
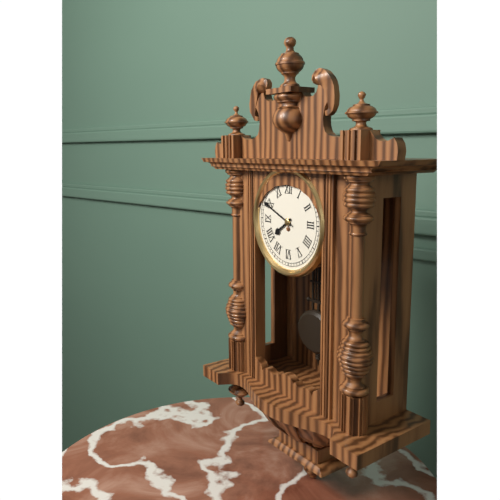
7:49
